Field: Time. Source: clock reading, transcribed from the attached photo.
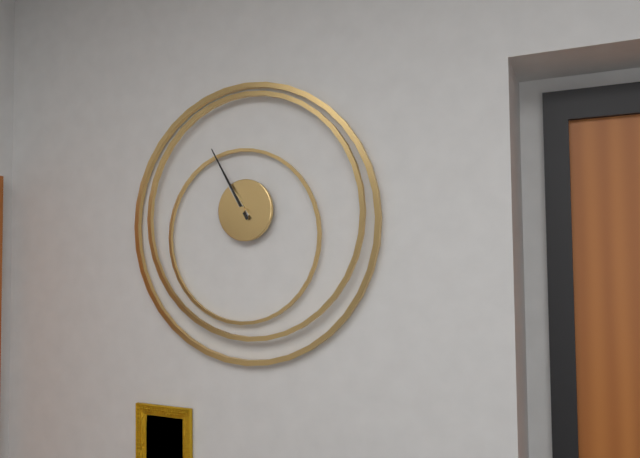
10:55
